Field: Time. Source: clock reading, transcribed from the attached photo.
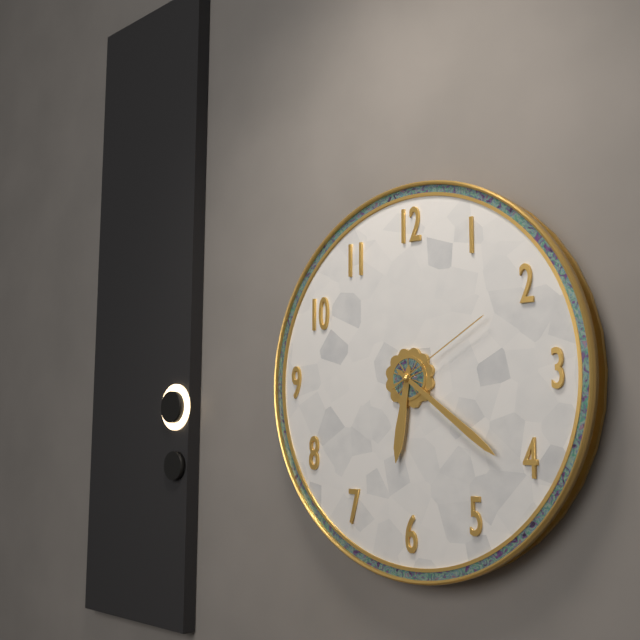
6:21:10
